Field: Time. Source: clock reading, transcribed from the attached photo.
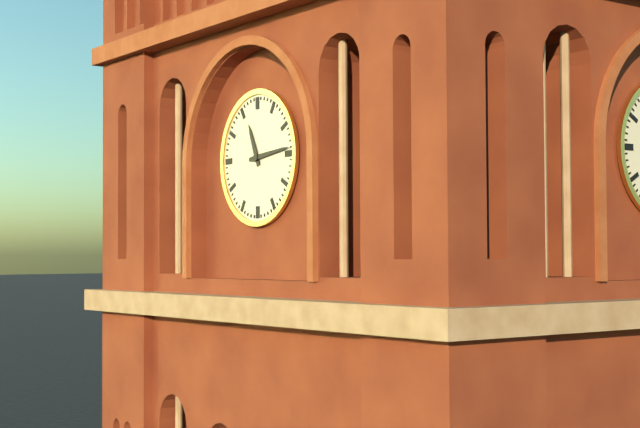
11:14
